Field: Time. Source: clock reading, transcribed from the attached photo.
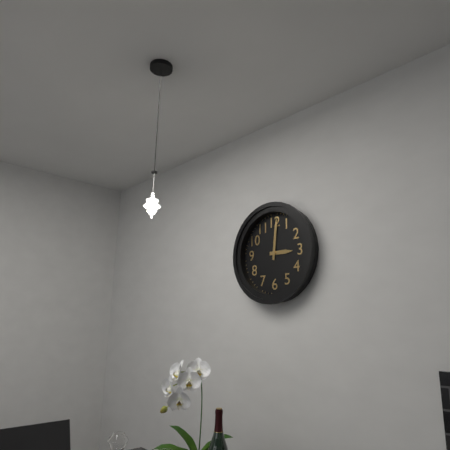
3:01
